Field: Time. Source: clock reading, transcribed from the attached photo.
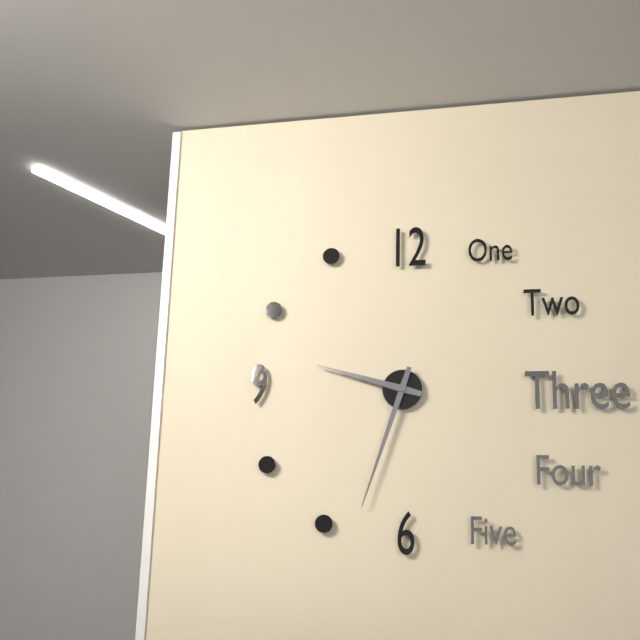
9:33
